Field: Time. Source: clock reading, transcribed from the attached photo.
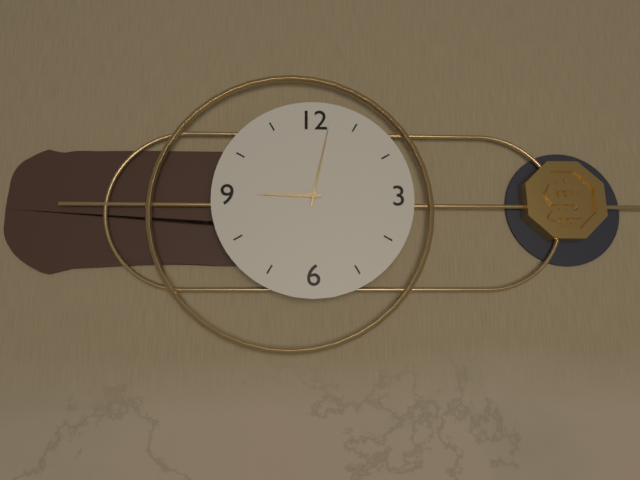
9:02
